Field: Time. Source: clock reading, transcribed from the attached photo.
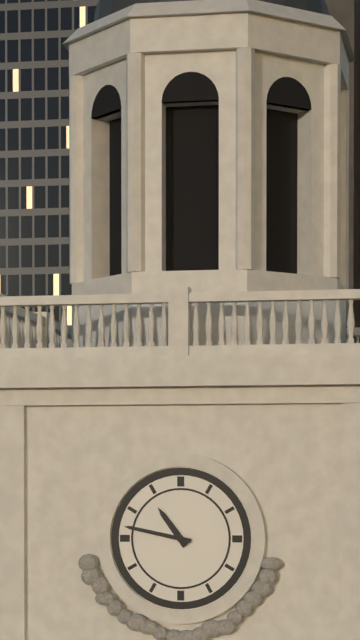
10:47
